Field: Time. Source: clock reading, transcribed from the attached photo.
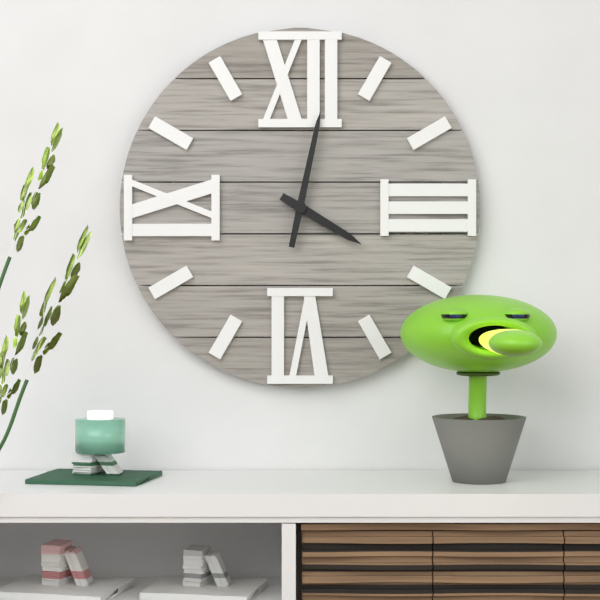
4:02
